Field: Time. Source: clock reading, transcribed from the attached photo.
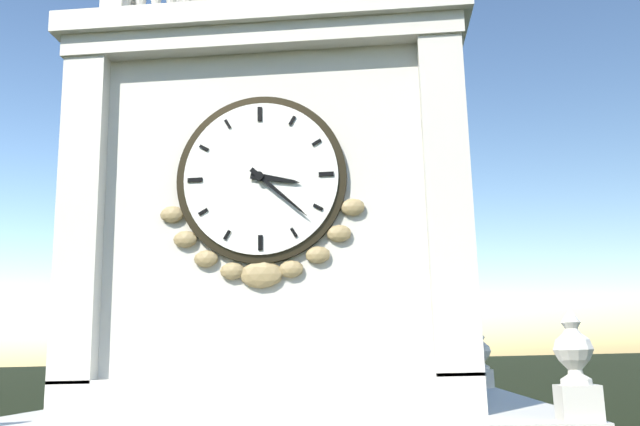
3:22
